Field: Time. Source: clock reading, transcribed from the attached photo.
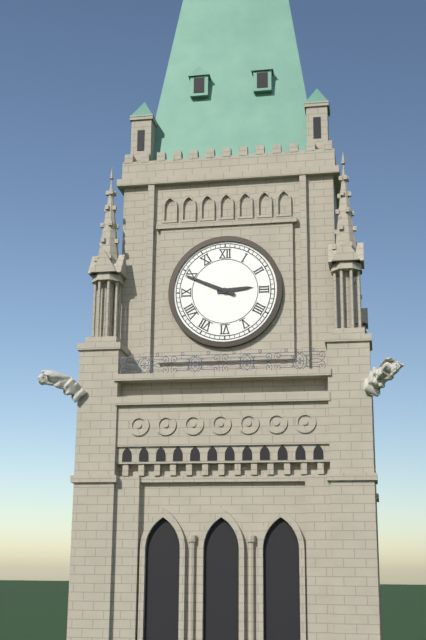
2:49
